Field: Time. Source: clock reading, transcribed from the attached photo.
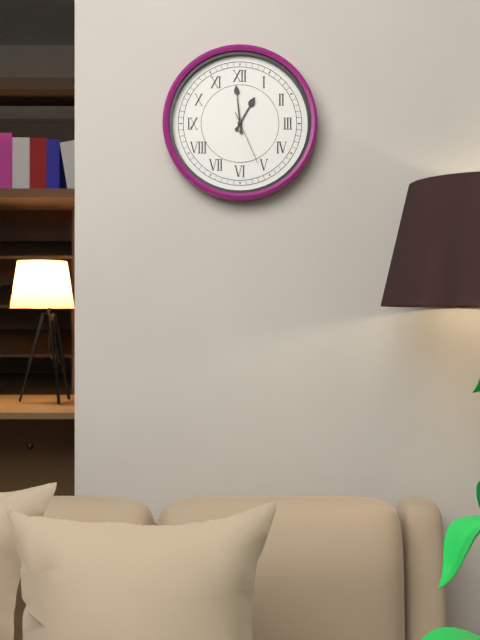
12:59:26
